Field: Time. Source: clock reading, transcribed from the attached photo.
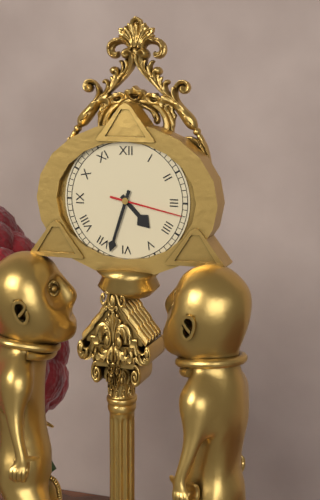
4:33:17
